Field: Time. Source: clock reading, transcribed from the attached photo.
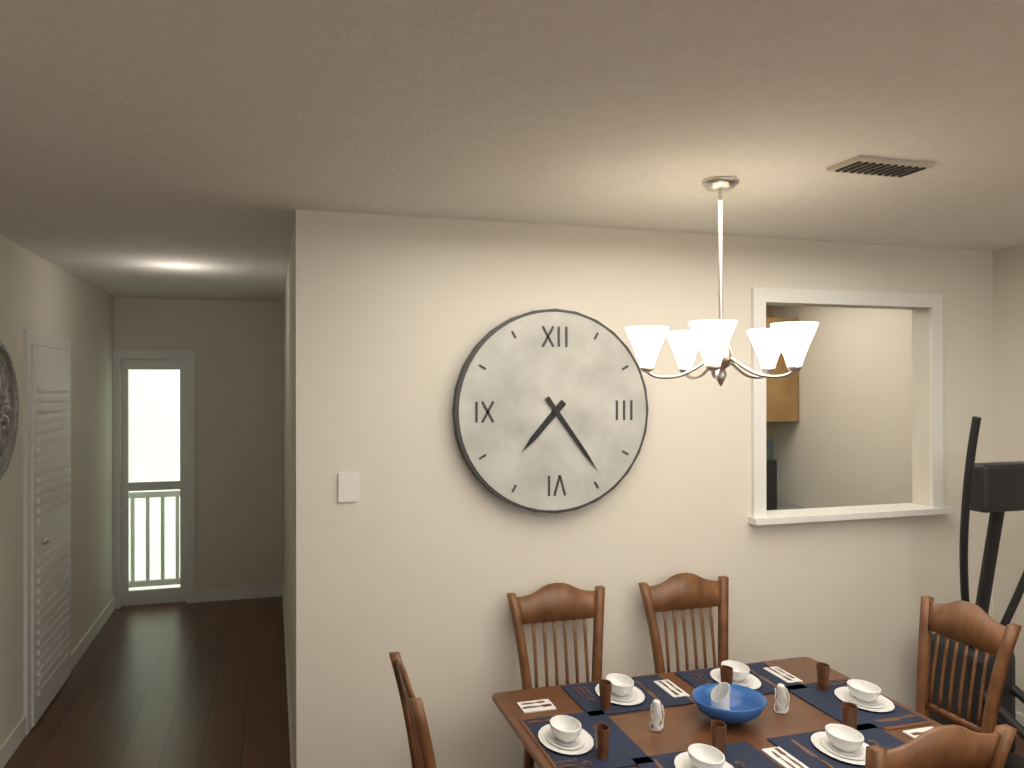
7:24
